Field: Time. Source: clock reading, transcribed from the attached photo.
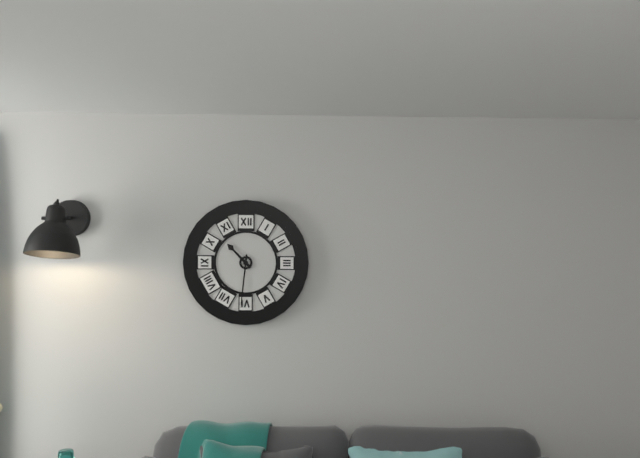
10:31
